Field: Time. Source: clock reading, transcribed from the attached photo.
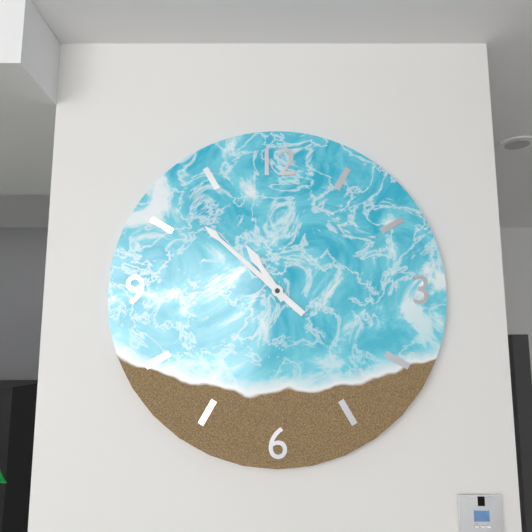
10:52
